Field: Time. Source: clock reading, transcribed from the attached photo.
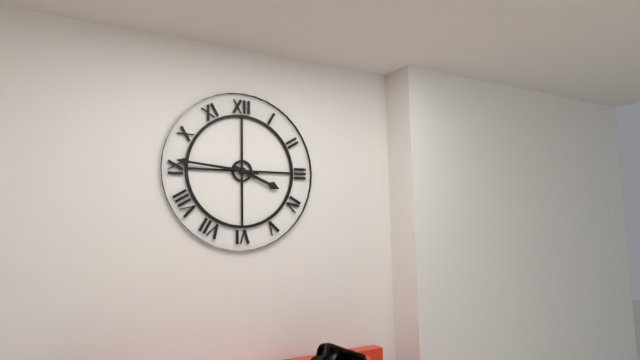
3:46
